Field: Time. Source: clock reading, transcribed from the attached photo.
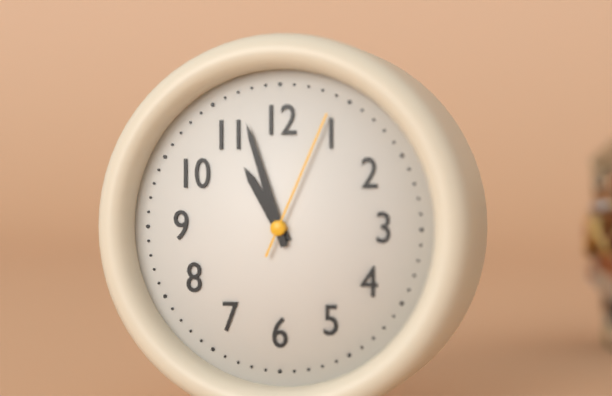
10:57:04
